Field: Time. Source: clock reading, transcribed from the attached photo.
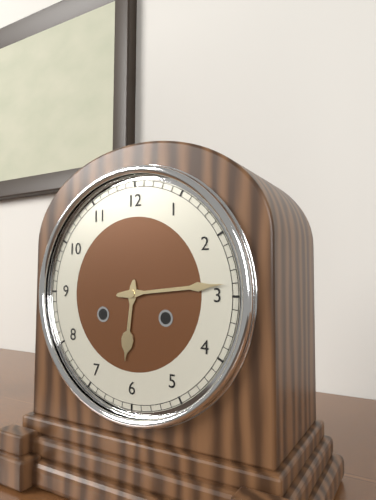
6:14
